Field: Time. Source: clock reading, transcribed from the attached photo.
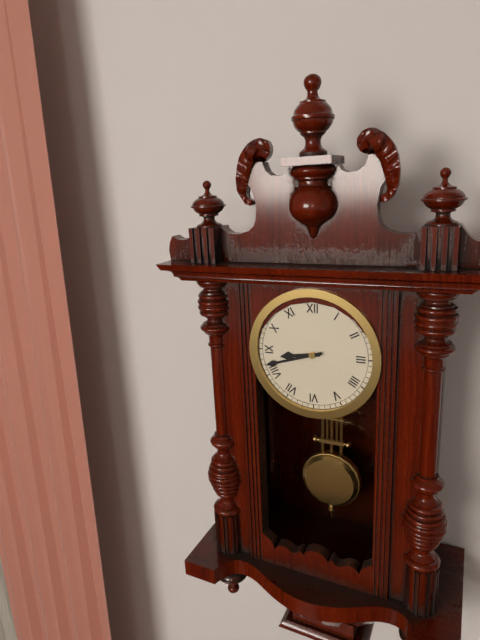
8:42
